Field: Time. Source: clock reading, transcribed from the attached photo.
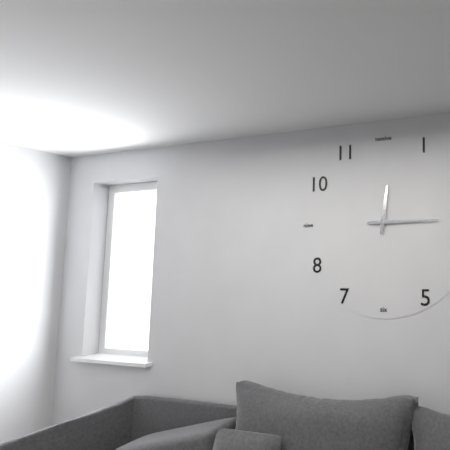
12:15
